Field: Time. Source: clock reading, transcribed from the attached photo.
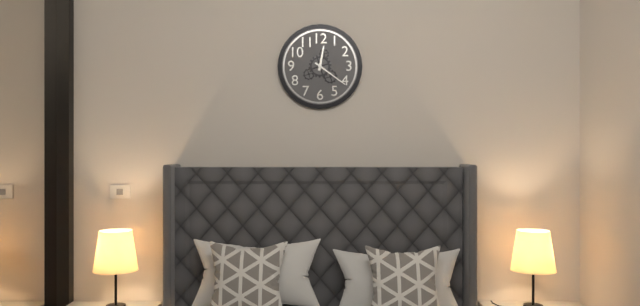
12:21
